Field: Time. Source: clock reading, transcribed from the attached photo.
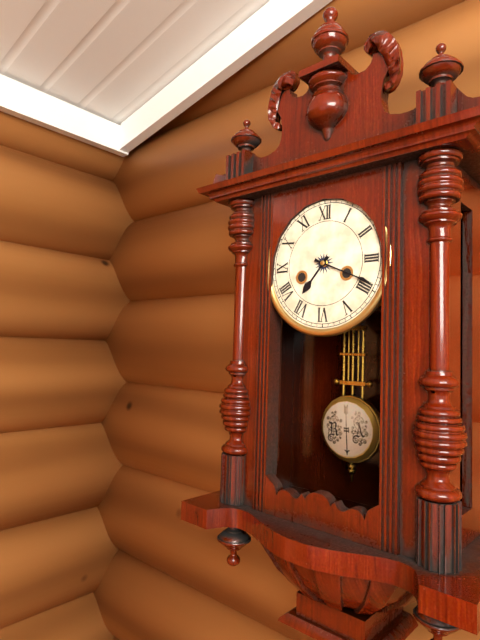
7:19
